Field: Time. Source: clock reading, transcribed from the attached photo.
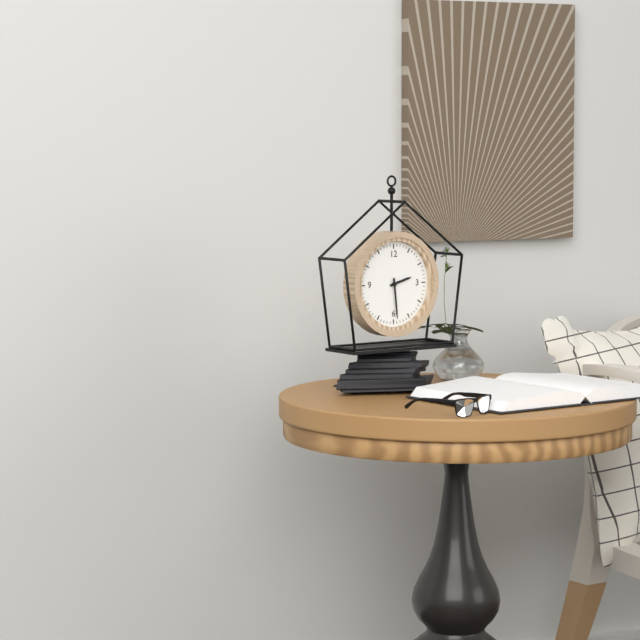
2:29
